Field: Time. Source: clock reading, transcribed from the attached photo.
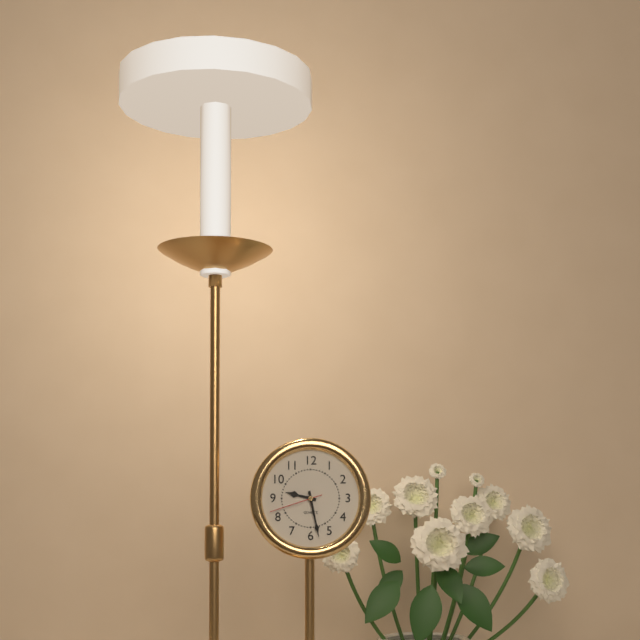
9:28:42
